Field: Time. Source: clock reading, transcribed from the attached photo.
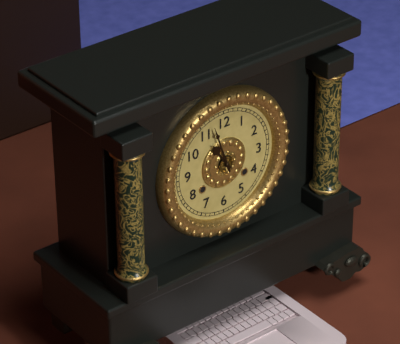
10:57
